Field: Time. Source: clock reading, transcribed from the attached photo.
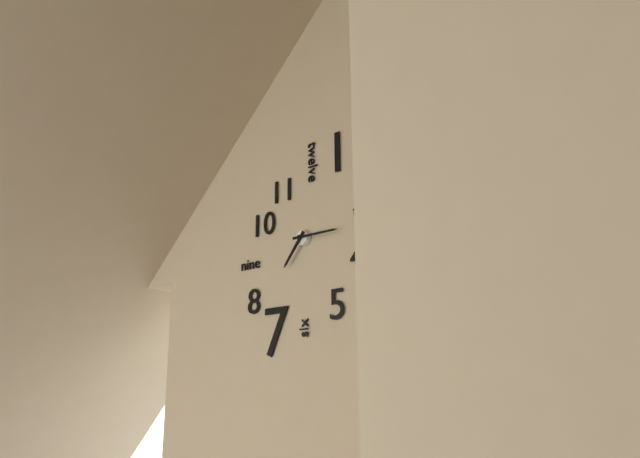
7:15
